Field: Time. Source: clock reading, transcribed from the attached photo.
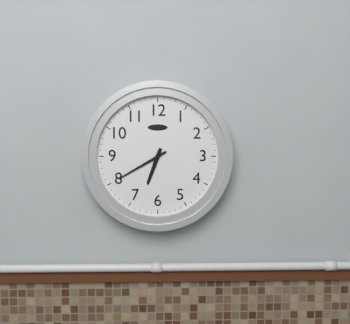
6:40
